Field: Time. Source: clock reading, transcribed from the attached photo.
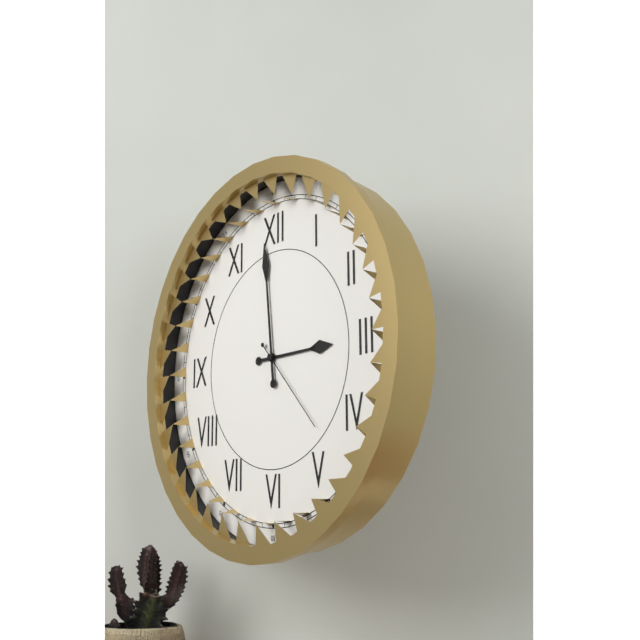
2:59:23
